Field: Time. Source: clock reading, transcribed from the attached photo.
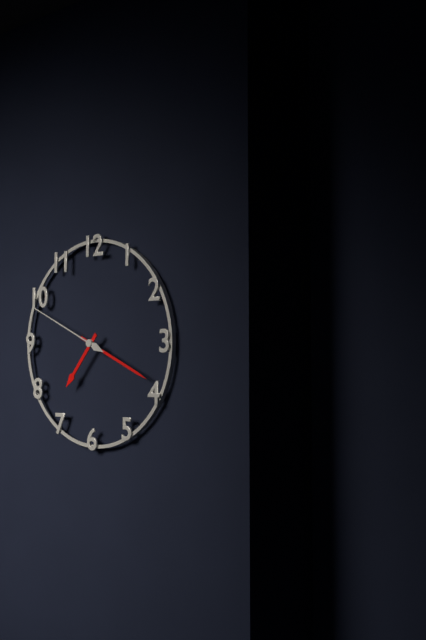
7:19:49
